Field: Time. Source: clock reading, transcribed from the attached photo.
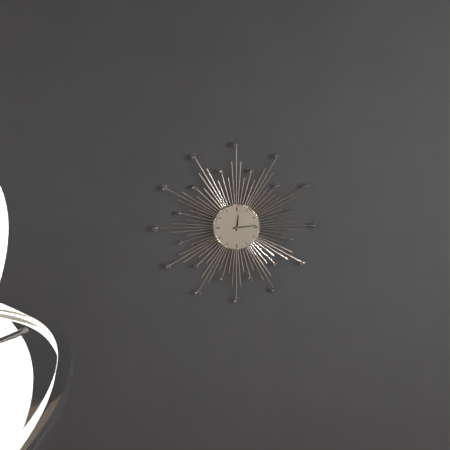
12:14
